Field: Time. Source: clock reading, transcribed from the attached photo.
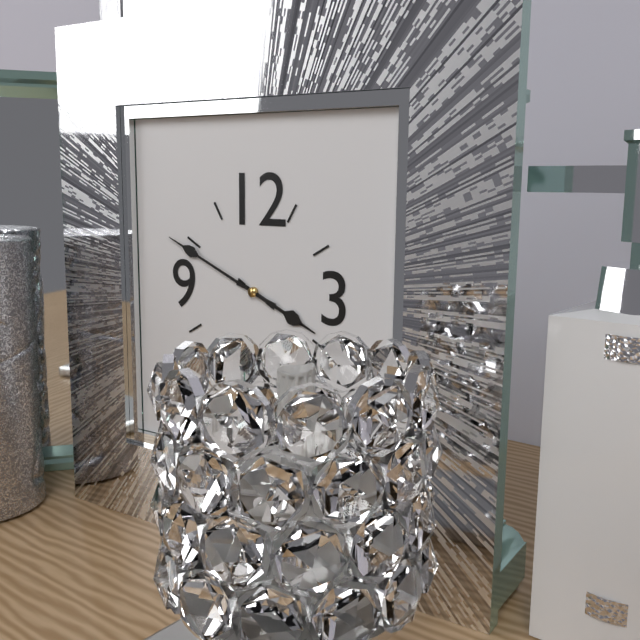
3:49
